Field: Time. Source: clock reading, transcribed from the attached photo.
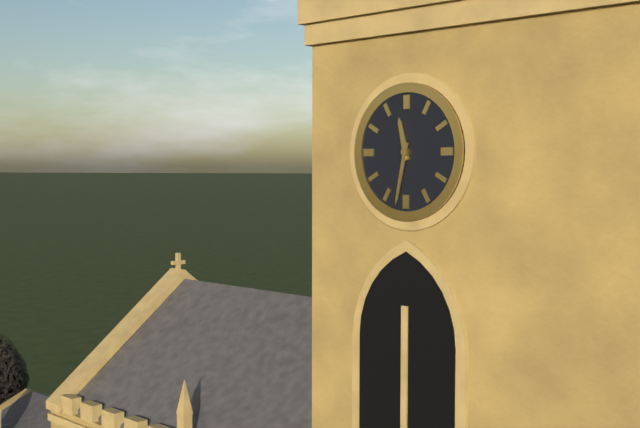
11:32
